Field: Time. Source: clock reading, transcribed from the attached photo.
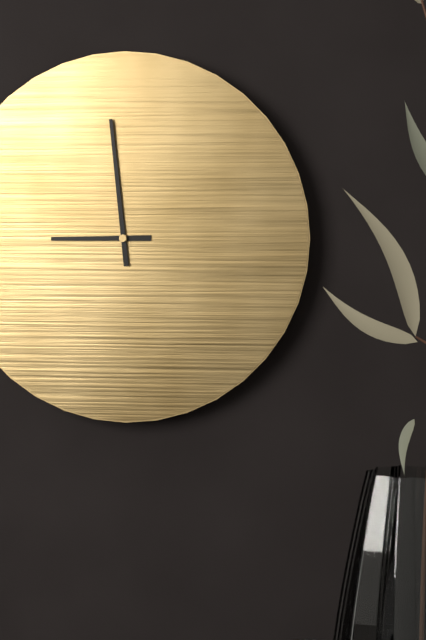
8:59
